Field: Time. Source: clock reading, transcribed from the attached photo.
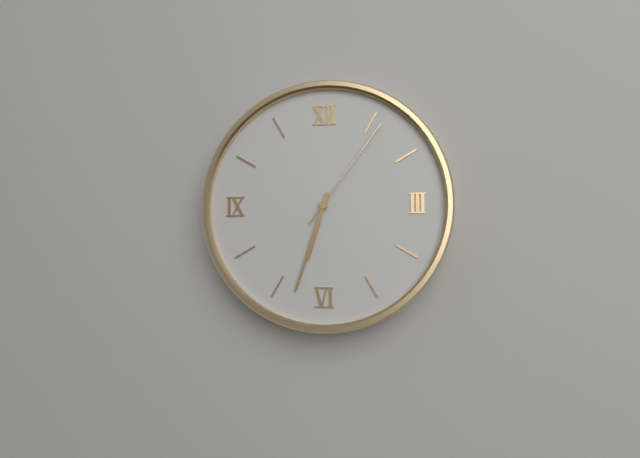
6:33:06
